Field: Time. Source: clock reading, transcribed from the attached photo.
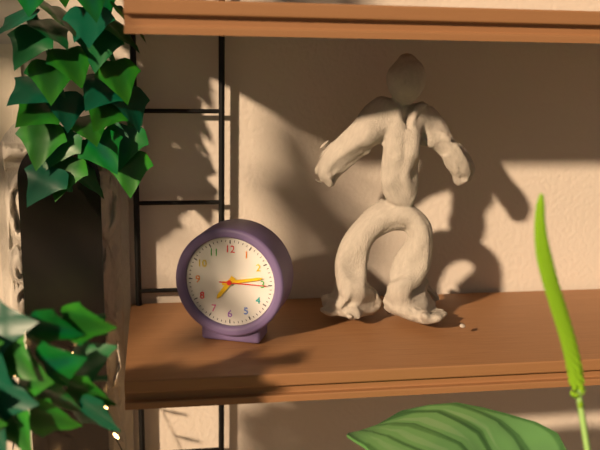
7:13
